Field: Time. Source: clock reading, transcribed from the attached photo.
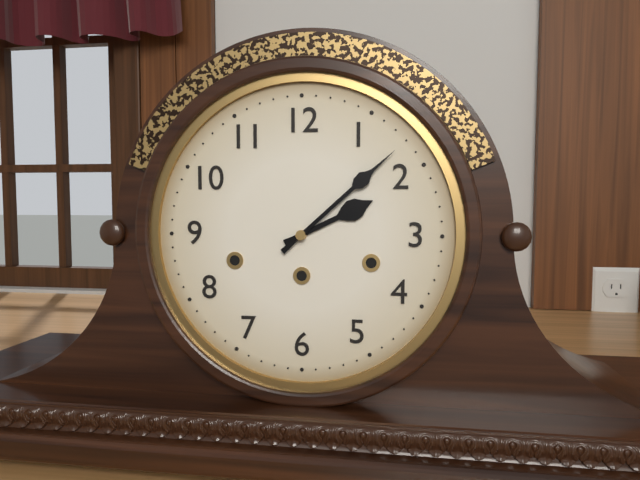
2:08
